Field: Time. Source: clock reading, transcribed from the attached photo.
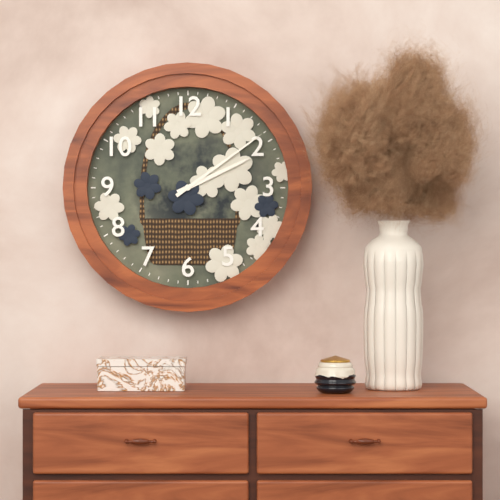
2:09
